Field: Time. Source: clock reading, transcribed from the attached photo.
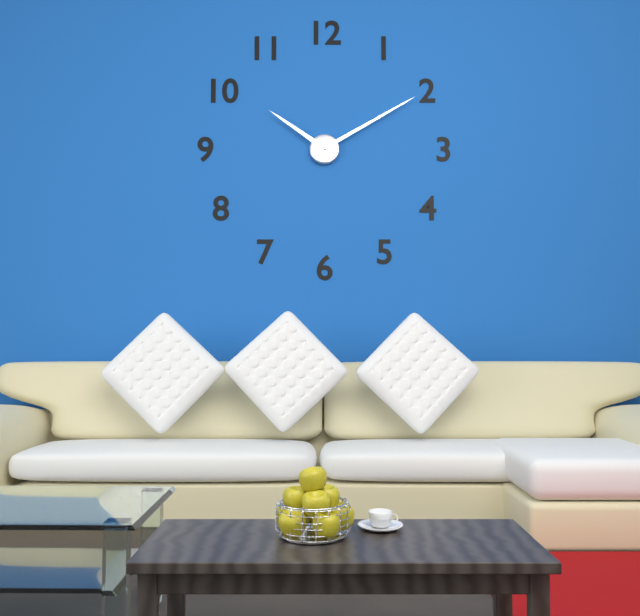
10:10
